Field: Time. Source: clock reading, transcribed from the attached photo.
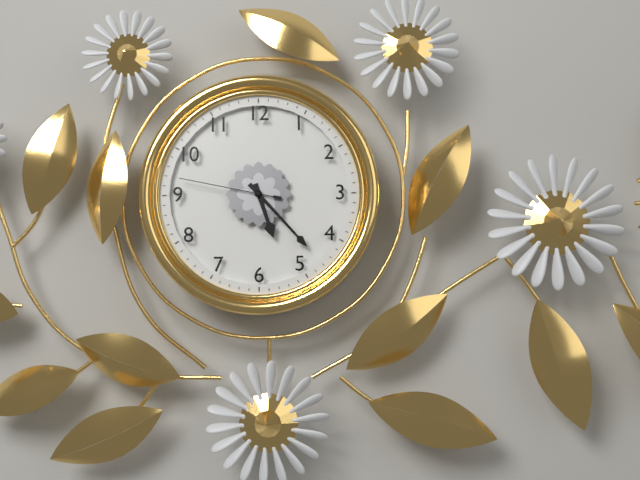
5:23:47
